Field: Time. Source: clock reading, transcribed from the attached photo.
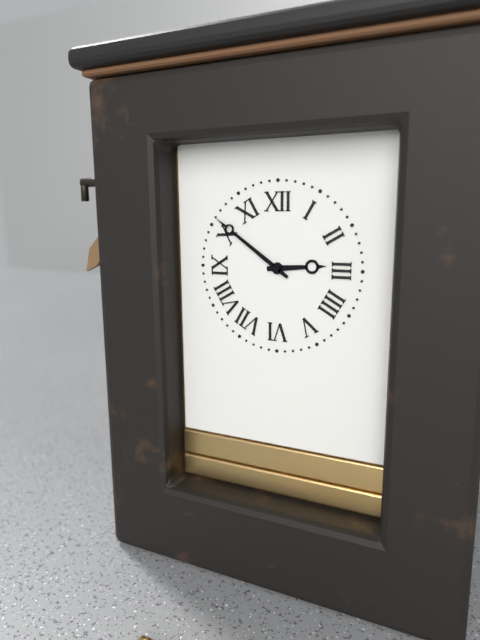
2:51
